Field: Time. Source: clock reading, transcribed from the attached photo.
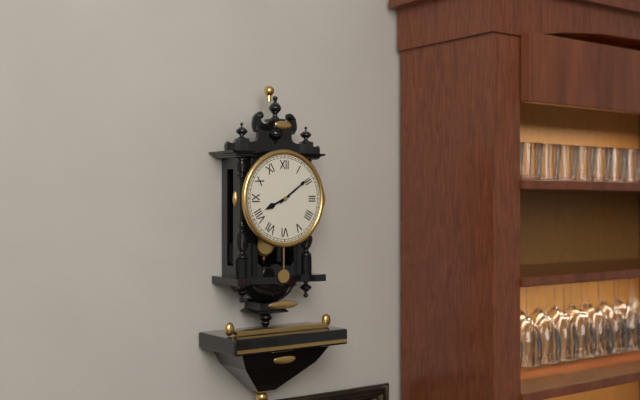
8:09
